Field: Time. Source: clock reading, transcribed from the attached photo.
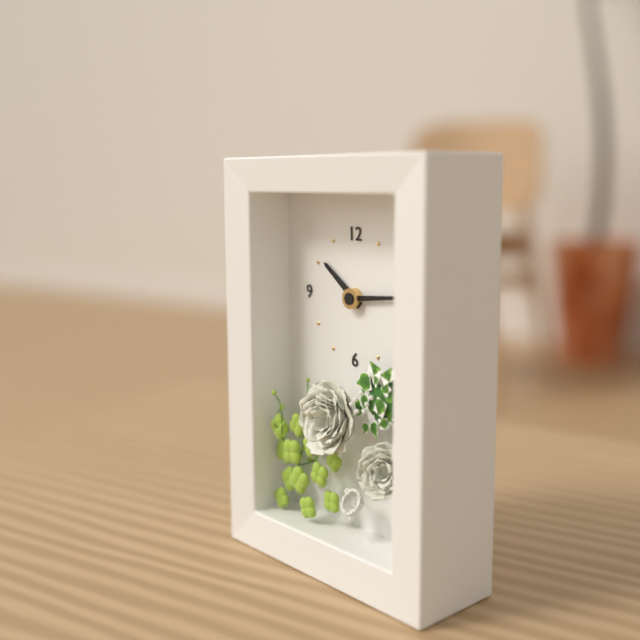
10:14
